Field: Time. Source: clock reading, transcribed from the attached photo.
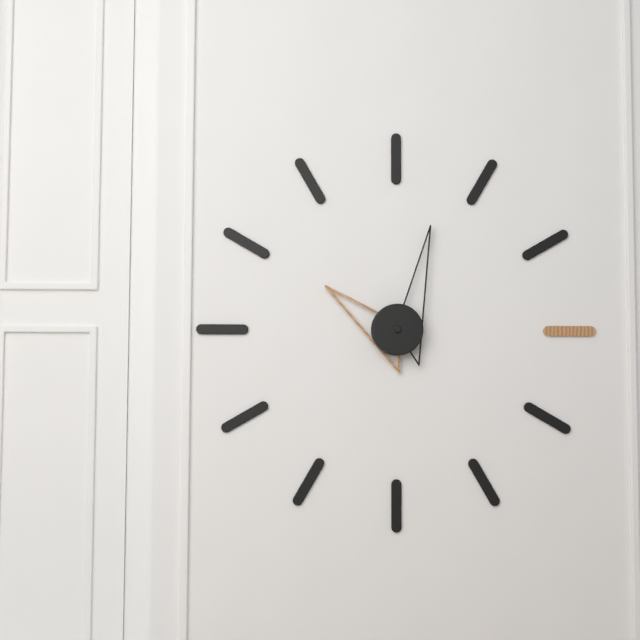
10:03
